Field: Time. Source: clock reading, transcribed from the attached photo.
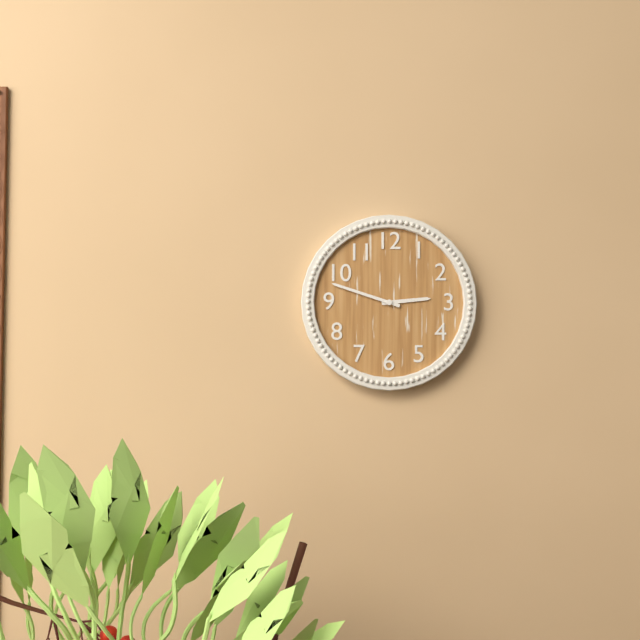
2:48
